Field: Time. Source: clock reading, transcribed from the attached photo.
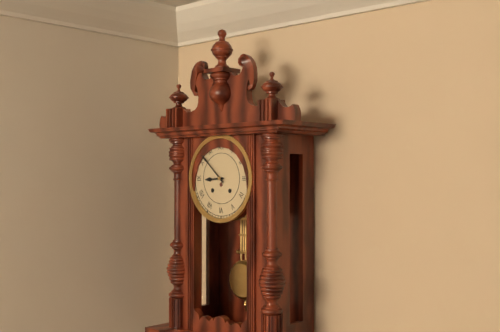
8:52
